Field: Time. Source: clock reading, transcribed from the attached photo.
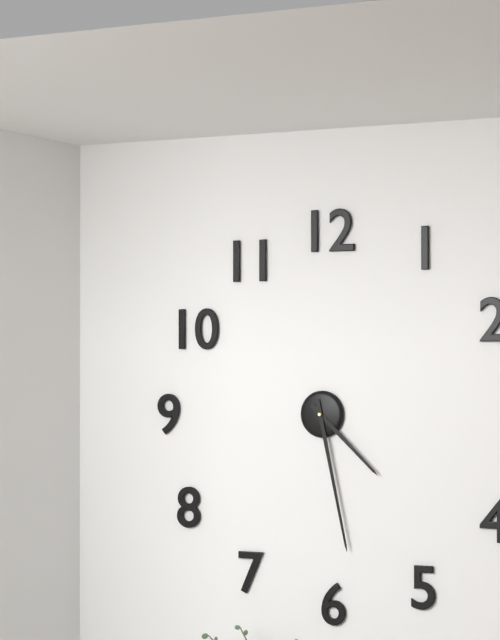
4:28
